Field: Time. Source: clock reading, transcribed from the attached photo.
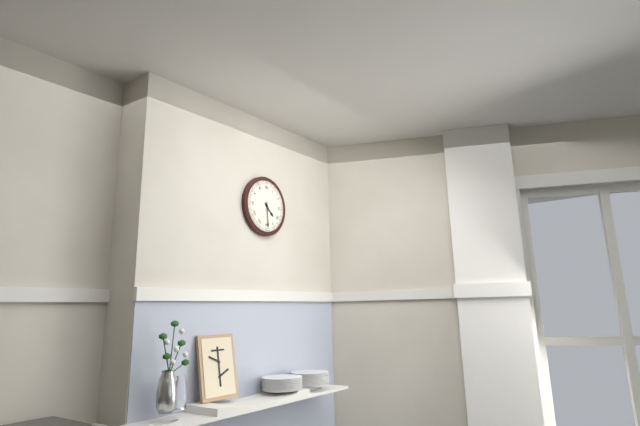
4:29
